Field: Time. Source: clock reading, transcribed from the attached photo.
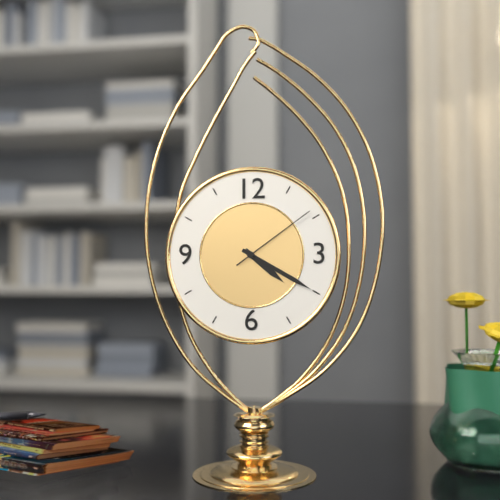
4:20:09
